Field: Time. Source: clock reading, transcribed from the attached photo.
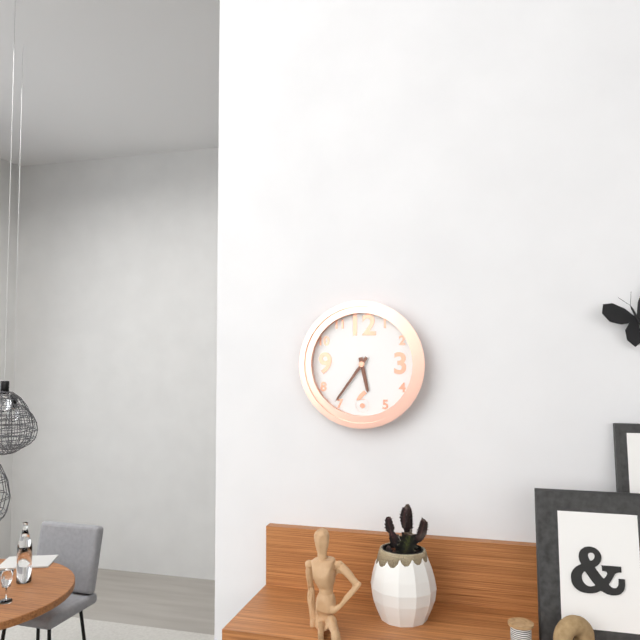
5:36
